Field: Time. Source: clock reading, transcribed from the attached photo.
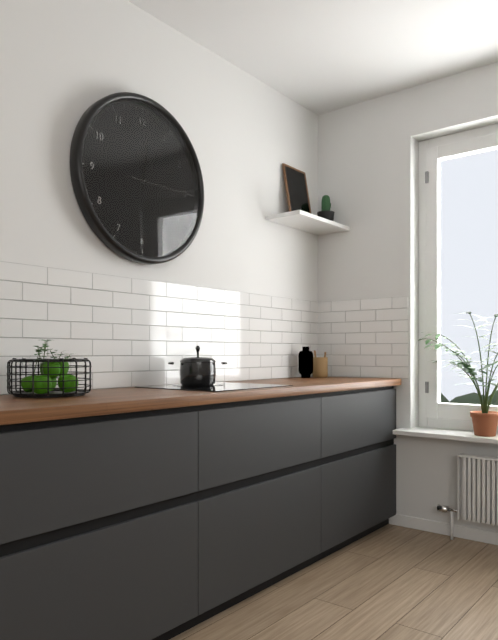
12:15:15
